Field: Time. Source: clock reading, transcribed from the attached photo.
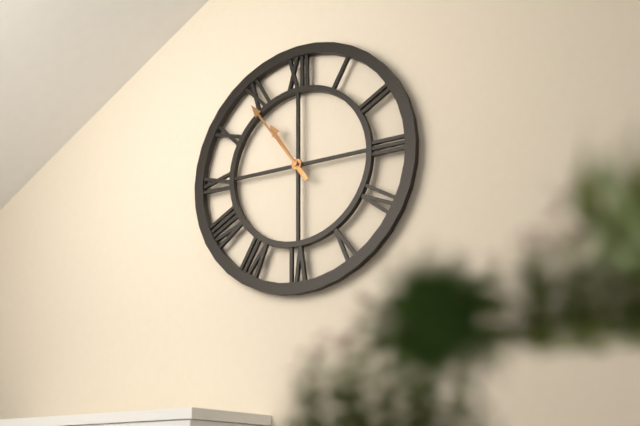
10:54
